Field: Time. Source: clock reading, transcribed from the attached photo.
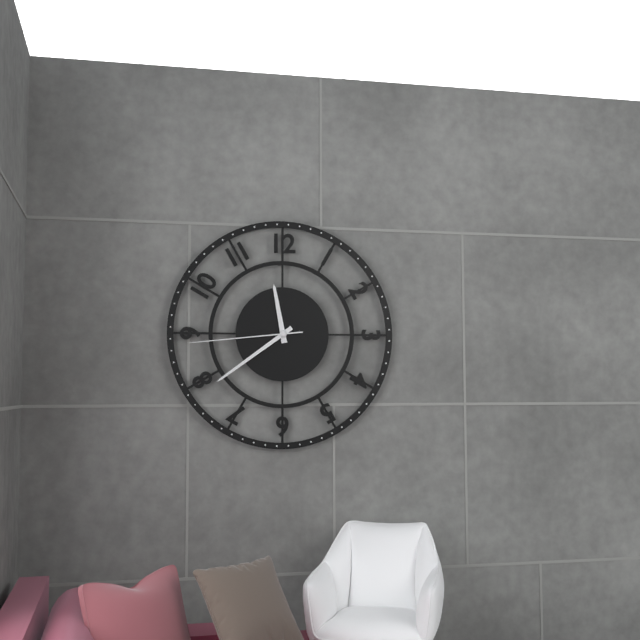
11:39:44
